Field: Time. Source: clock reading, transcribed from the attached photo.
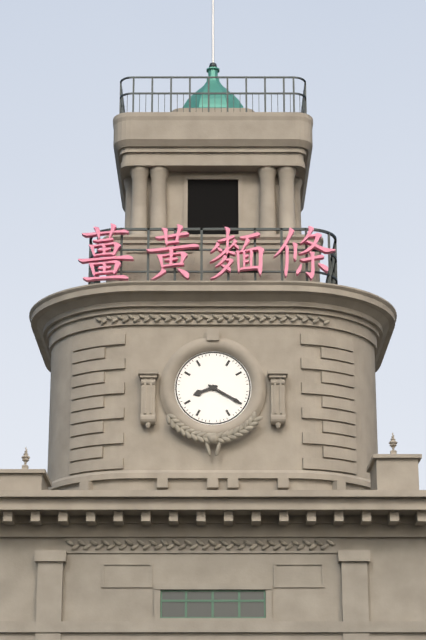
8:20
